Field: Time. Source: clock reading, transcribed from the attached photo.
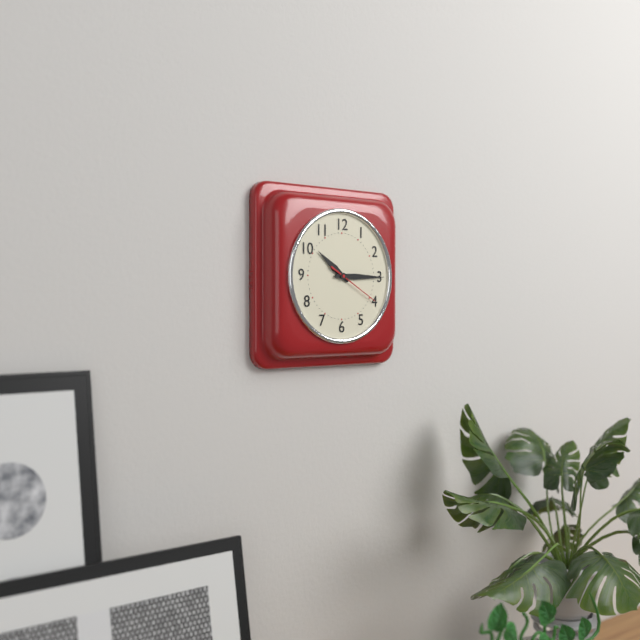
10:15:20
